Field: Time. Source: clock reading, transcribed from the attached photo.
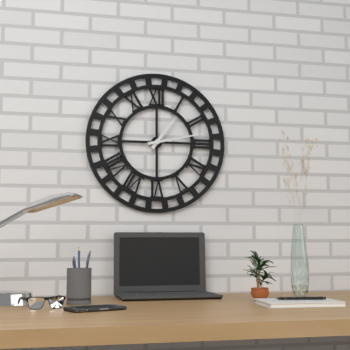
1:13
